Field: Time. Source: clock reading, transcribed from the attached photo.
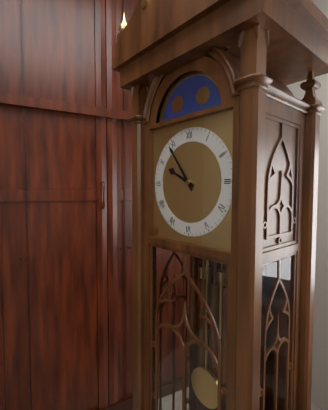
9:54
